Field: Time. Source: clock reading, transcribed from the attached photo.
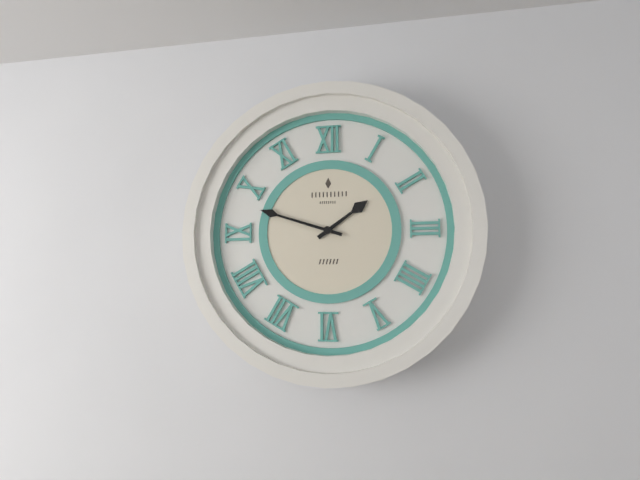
1:48
